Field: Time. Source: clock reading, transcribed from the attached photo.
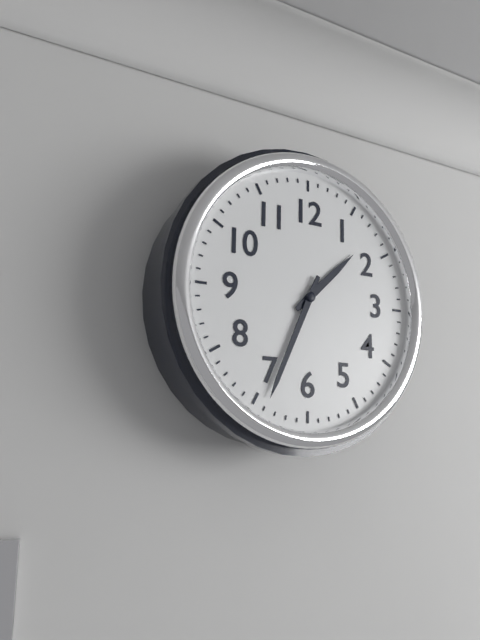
1:34
